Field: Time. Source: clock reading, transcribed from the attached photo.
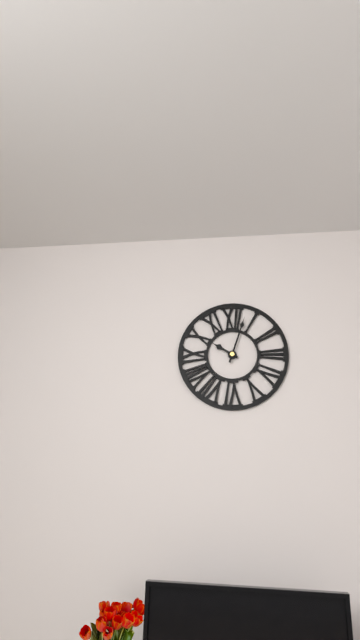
10:03
